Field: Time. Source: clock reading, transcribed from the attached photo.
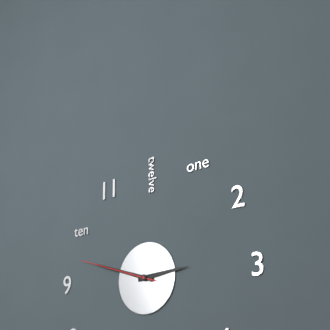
2:48:48
